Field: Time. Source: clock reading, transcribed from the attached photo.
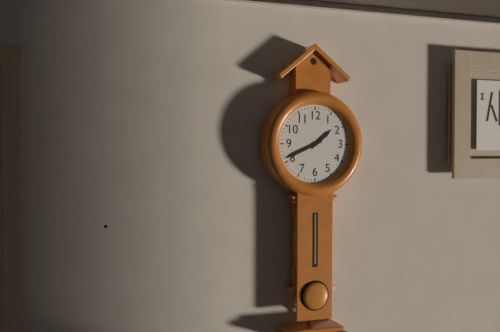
1:41
